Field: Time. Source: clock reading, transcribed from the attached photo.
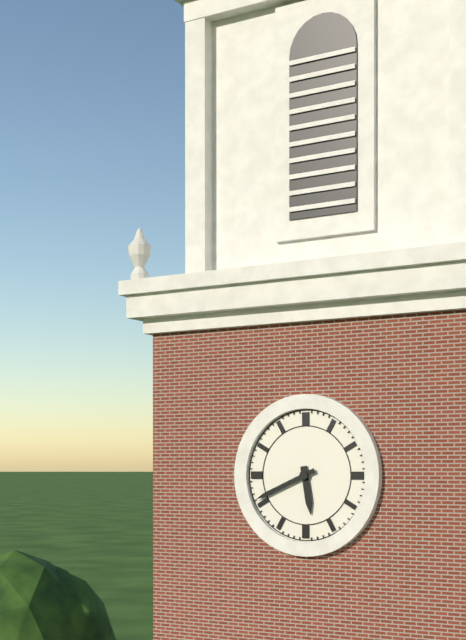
5:41
